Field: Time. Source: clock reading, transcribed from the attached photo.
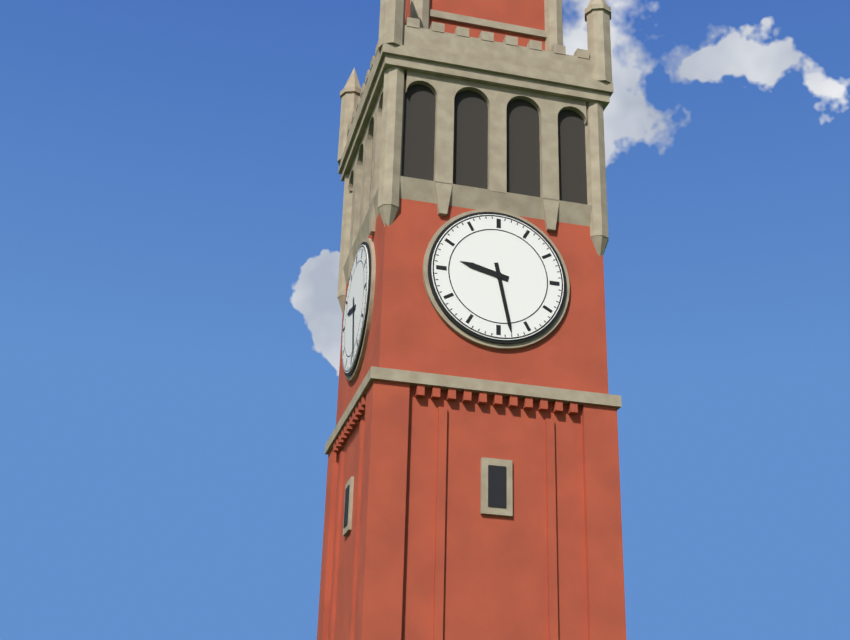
9:28
